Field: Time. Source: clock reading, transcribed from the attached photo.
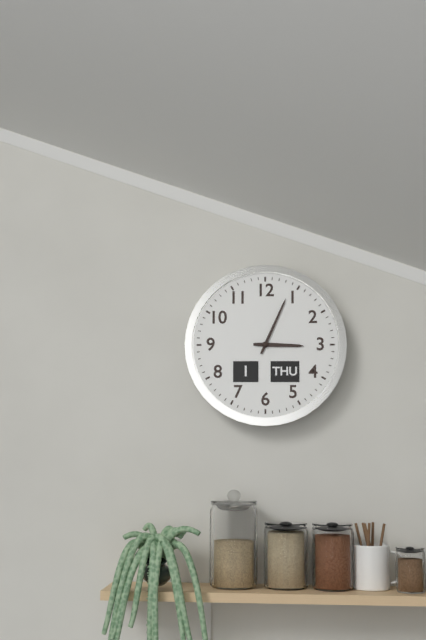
3:04
